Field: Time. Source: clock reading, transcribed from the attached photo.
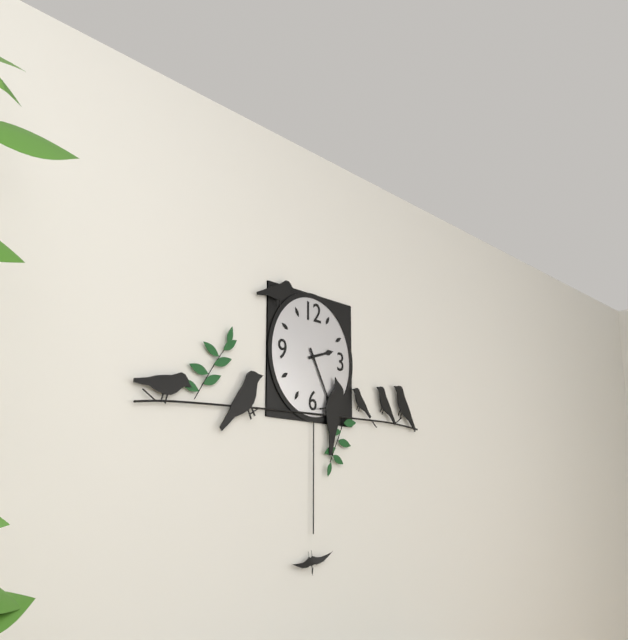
2:25
